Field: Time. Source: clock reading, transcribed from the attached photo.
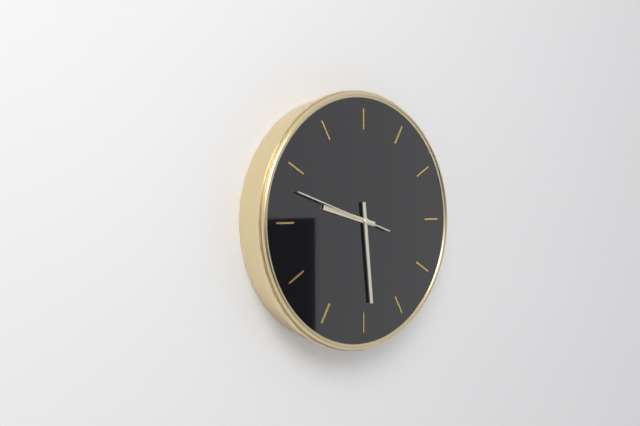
9:29:48
